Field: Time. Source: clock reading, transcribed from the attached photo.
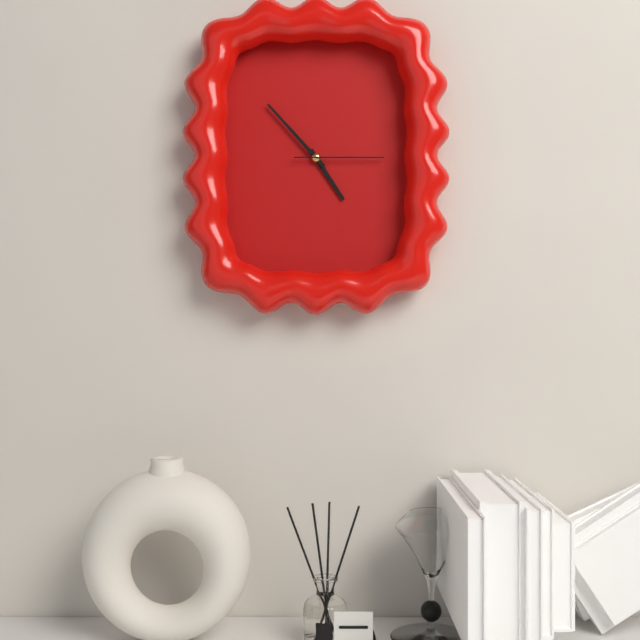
4:53:15
